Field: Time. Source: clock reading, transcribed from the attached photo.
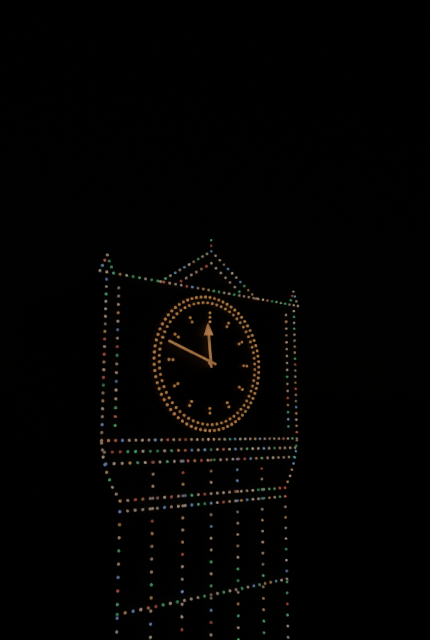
11:48
